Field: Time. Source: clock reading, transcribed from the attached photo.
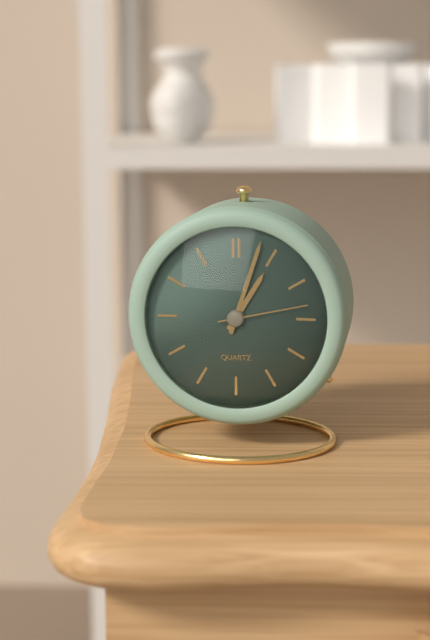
1:03:13
